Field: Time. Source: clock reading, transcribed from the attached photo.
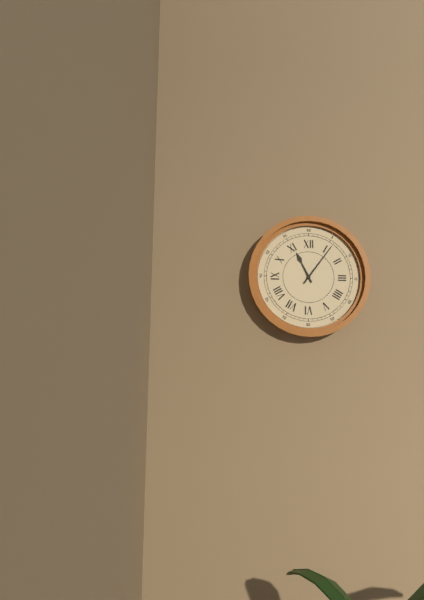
11:06
